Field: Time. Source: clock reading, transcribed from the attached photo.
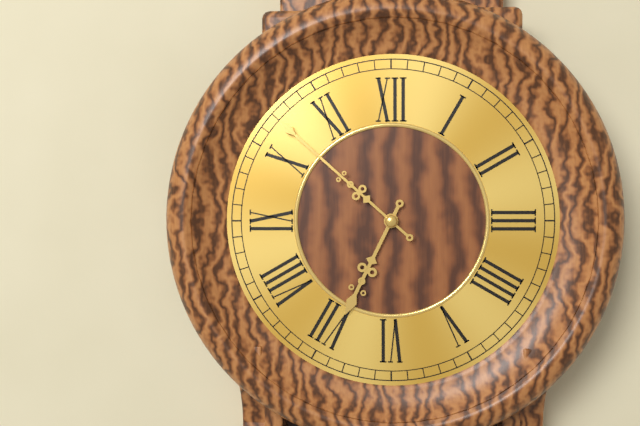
6:52
